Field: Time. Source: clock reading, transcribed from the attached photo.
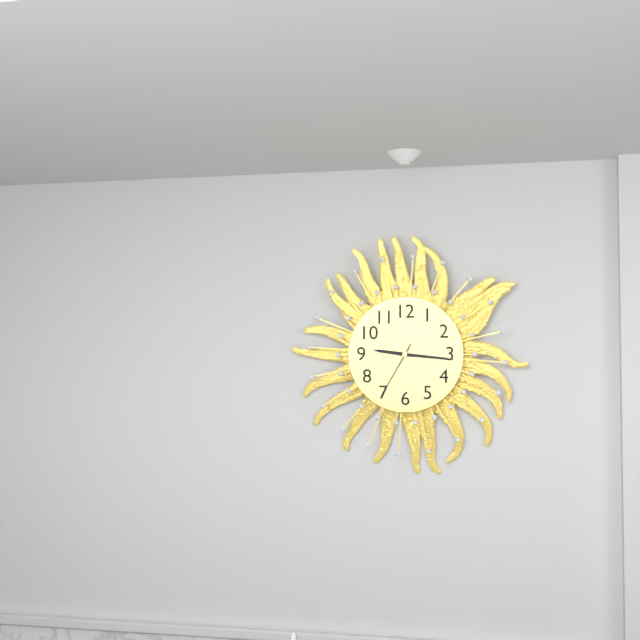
9:16:35
